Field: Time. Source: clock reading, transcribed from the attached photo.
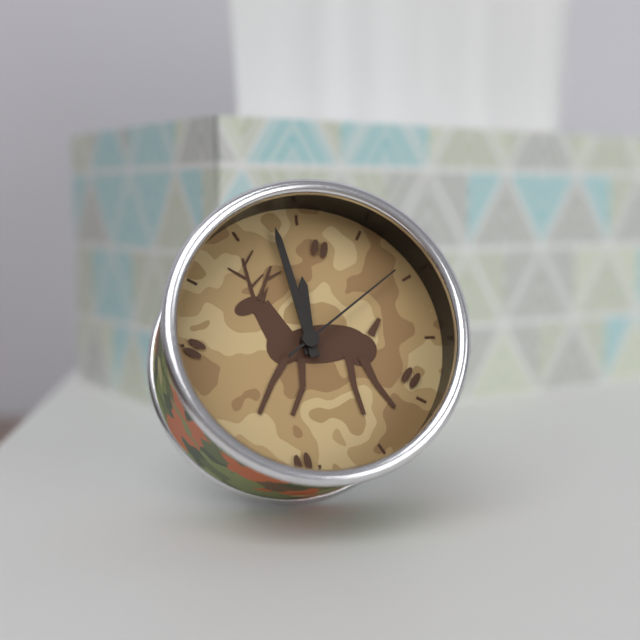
11:58:09
